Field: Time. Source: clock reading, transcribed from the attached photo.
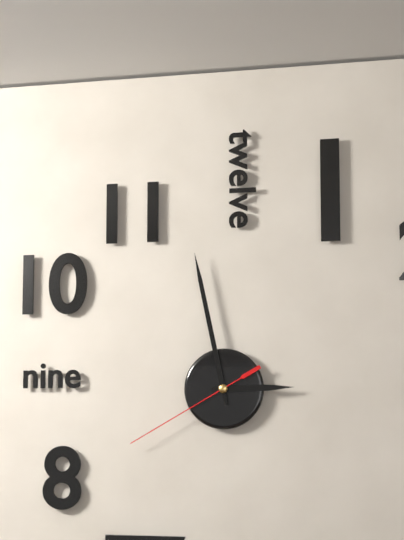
2:58:40
